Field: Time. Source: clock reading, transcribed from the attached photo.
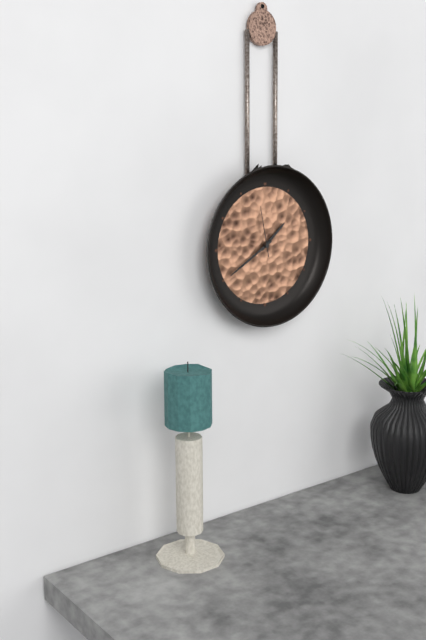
1:40
